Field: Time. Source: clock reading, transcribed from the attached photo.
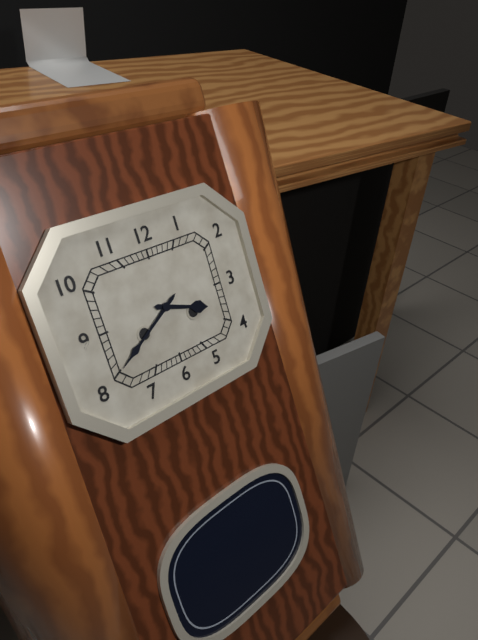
3:40
